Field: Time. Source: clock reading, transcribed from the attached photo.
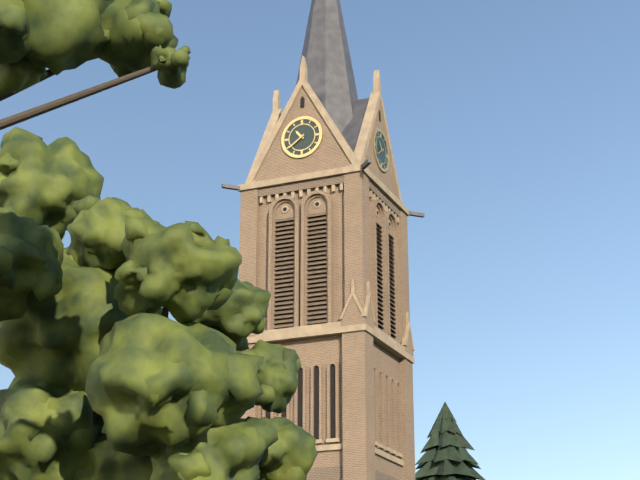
10:39
